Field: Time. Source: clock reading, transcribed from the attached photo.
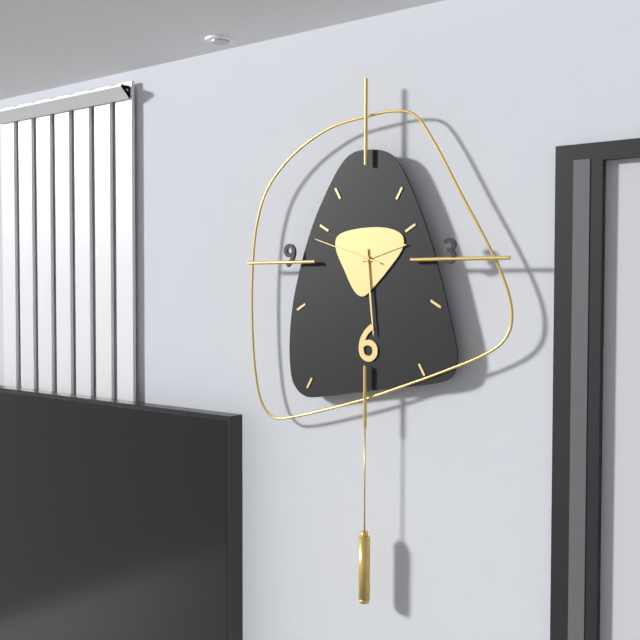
2:29:48
